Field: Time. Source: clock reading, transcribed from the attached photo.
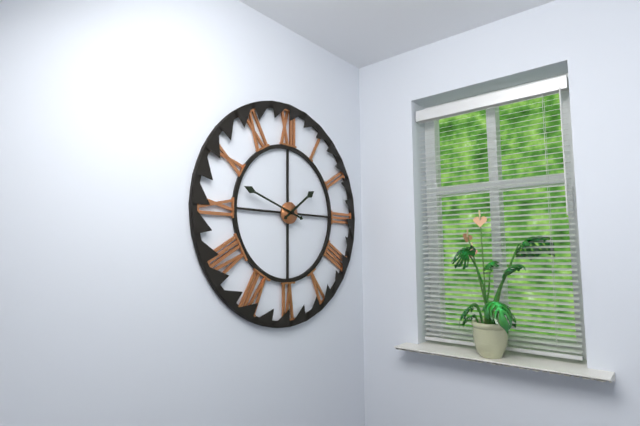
1:48
